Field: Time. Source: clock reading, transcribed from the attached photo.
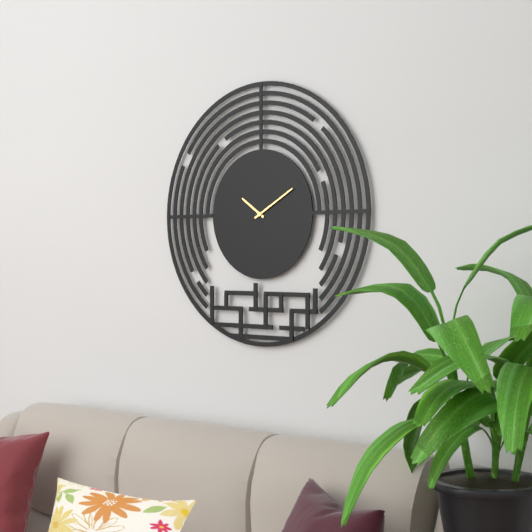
10:10
